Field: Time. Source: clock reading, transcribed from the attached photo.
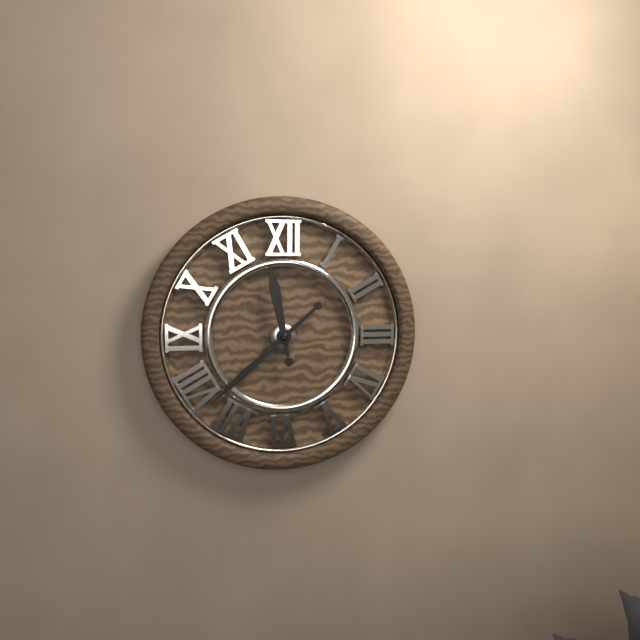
11:38
